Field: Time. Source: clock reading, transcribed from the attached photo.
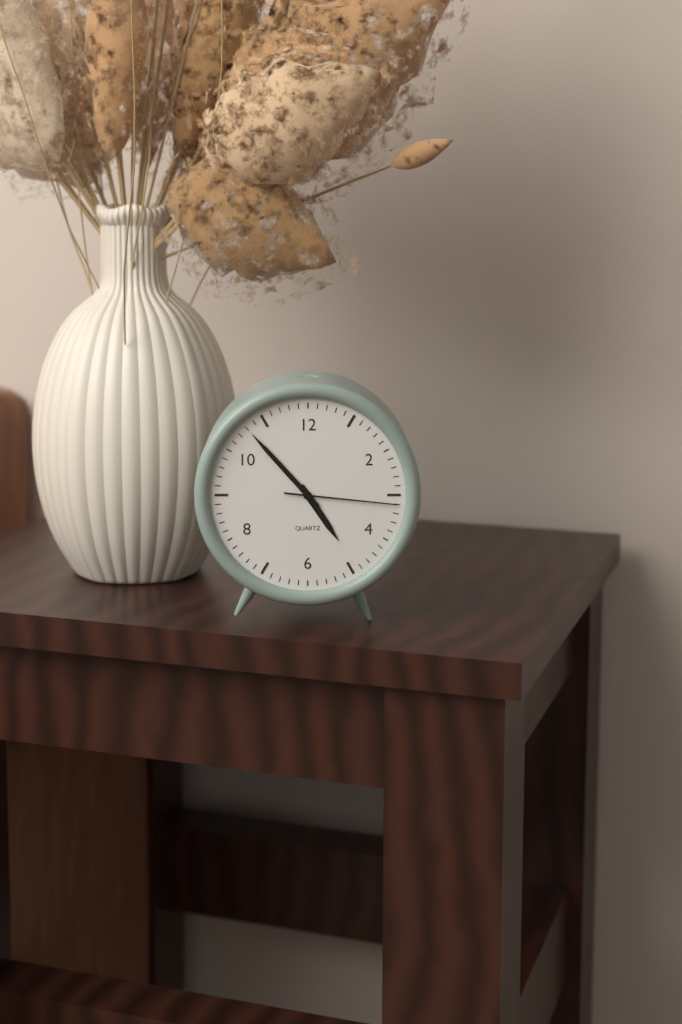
4:53:16
